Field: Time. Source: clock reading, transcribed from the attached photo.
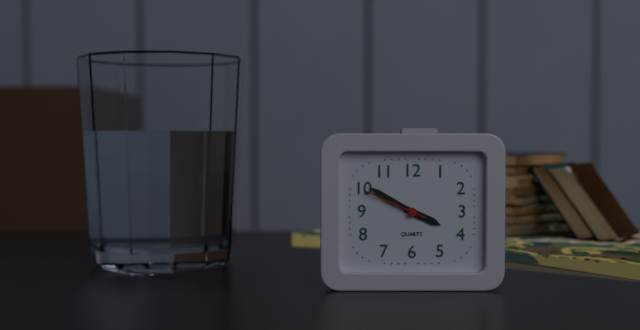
3:50:49
